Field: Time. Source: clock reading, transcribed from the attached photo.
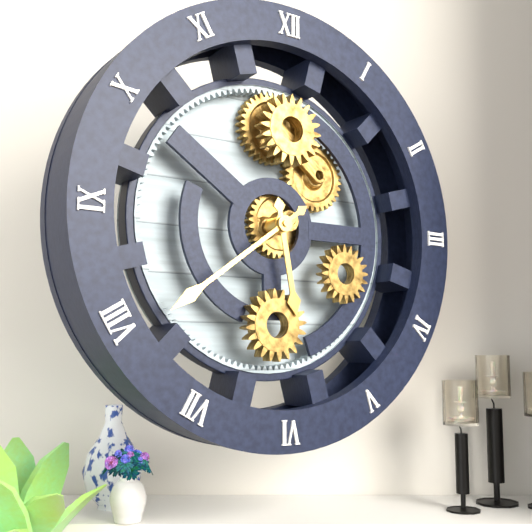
5:39
